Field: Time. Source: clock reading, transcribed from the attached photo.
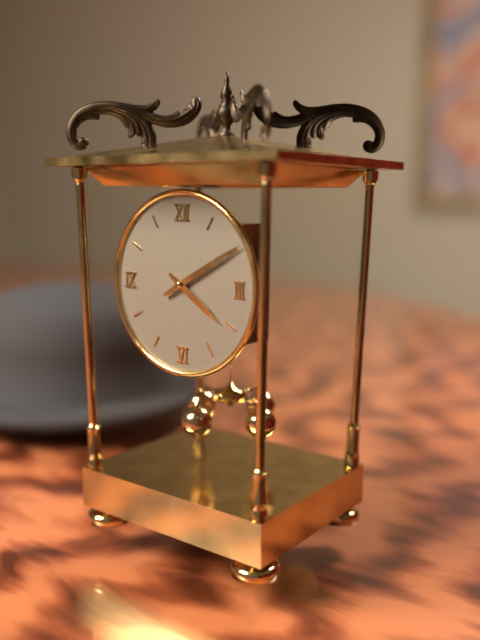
4:10
